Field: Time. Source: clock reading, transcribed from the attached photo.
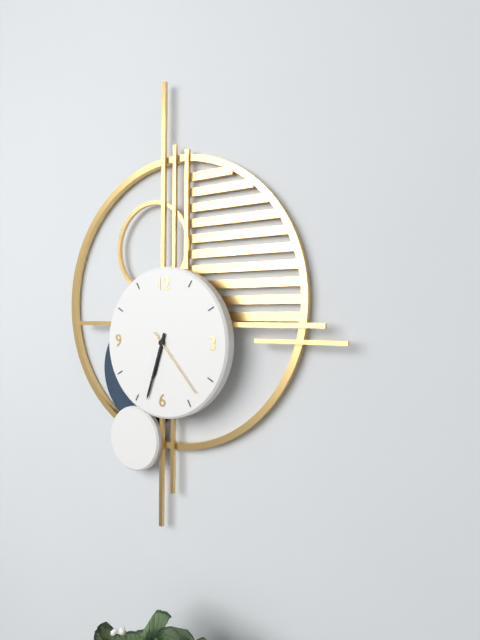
6:33:23
